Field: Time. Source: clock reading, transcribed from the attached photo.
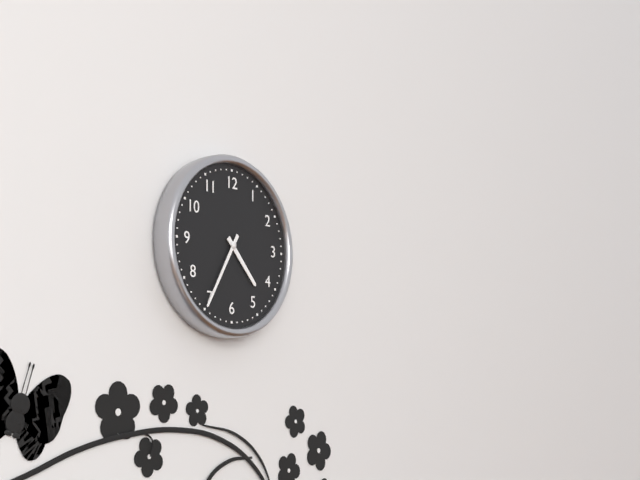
4:35
